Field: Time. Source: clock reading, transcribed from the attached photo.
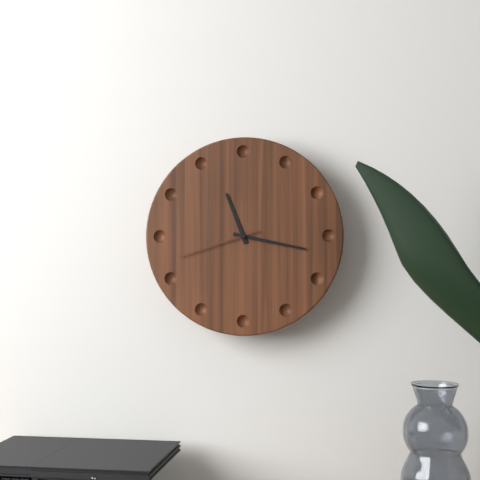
11:17:42
